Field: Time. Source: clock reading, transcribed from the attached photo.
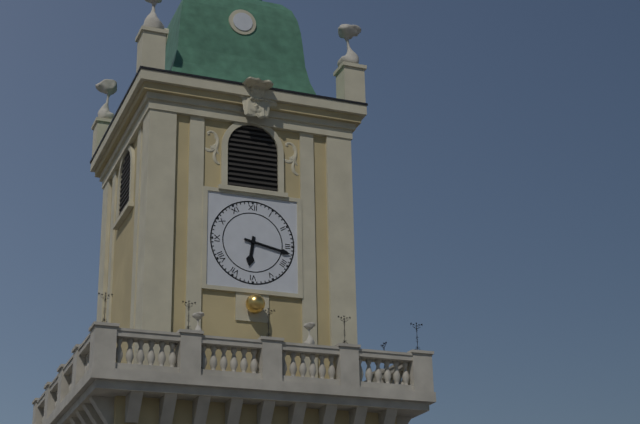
6:17
